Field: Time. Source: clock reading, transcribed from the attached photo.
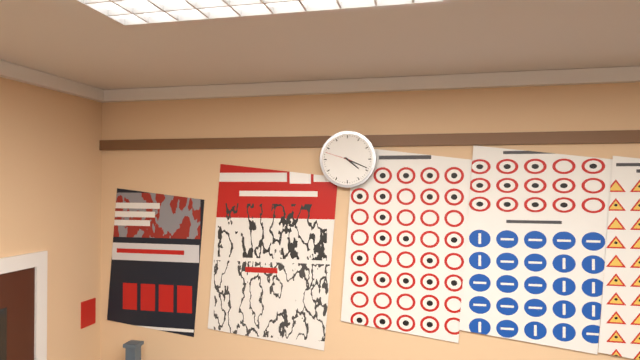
4:19
